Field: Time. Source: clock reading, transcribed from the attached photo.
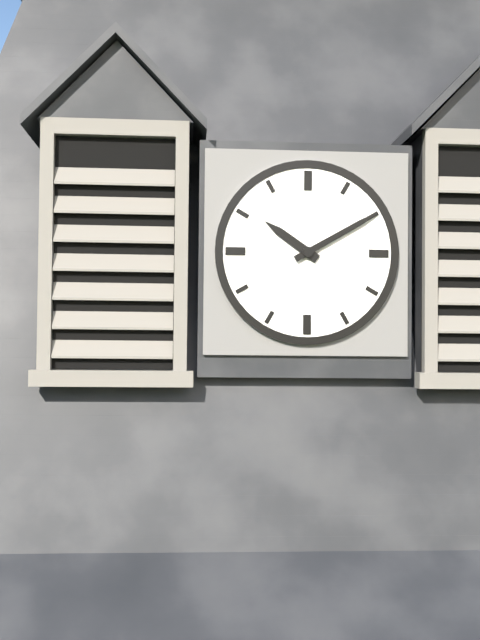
10:10
